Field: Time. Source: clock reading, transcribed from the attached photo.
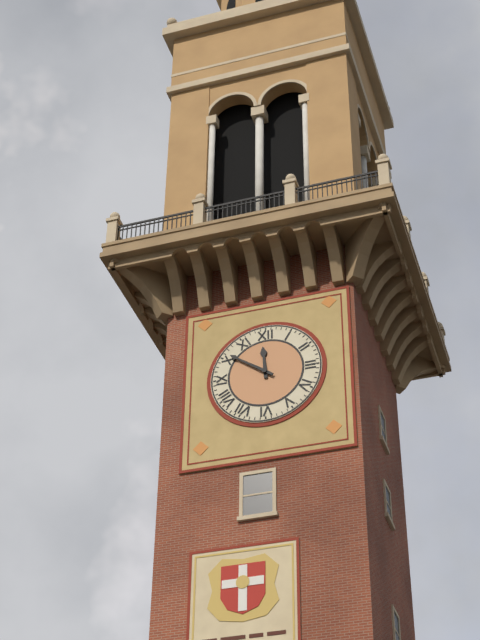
11:51
